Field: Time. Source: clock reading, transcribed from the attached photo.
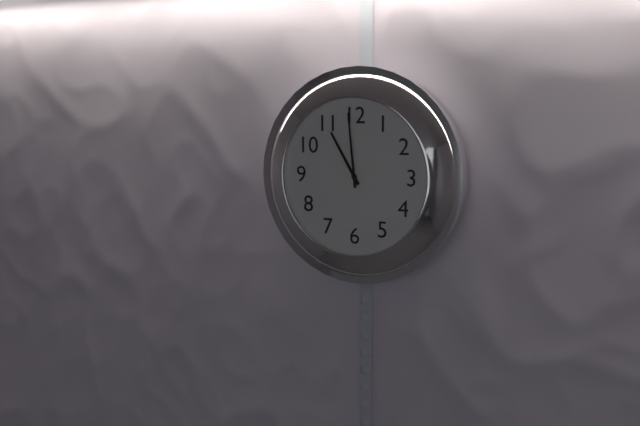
10:59
